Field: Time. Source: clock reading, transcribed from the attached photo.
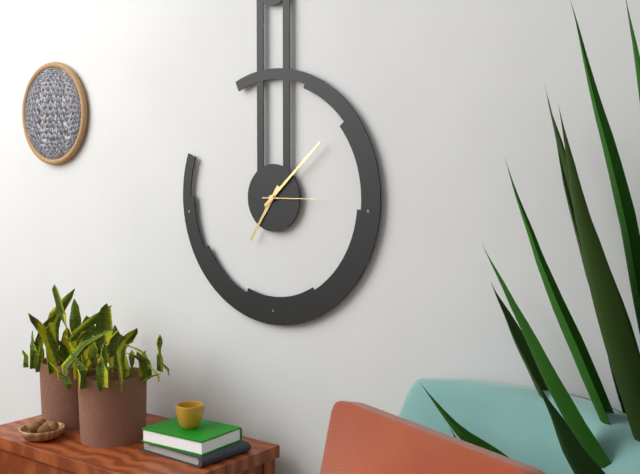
7:08:15
